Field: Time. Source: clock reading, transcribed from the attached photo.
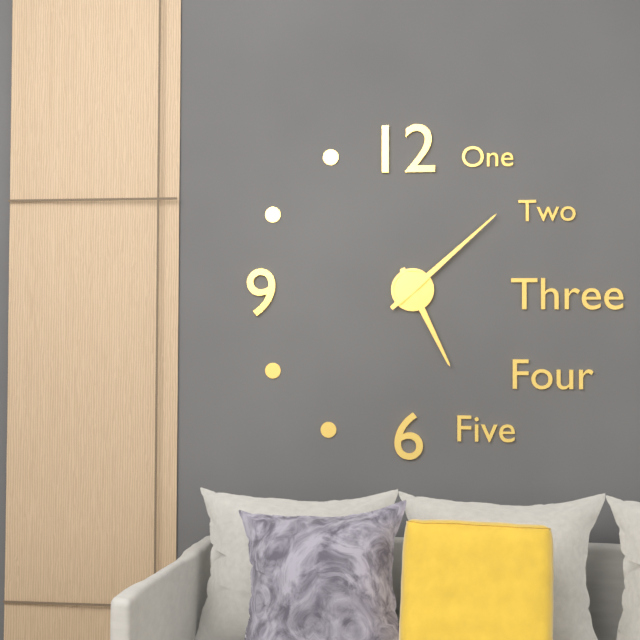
5:08
